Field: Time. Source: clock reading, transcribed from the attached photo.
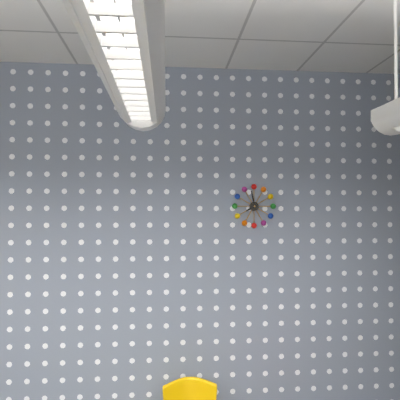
7:58
